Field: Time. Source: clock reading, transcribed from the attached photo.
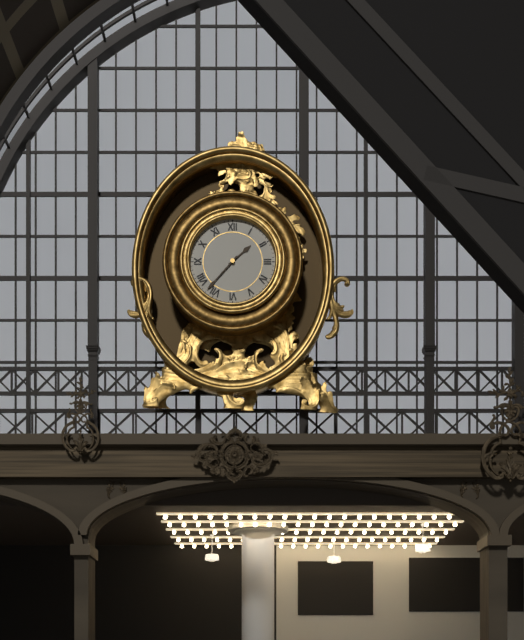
1:37
